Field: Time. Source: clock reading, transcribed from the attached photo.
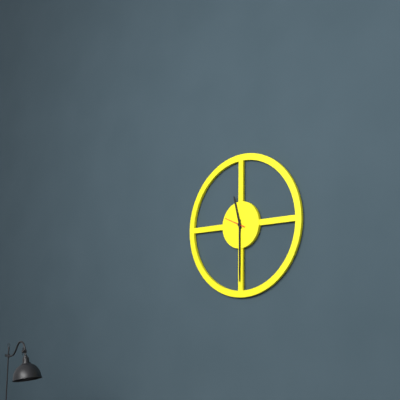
11:30
